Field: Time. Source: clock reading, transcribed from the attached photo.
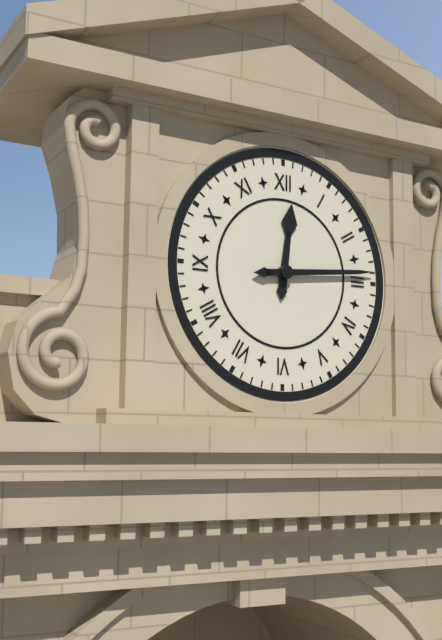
12:14
